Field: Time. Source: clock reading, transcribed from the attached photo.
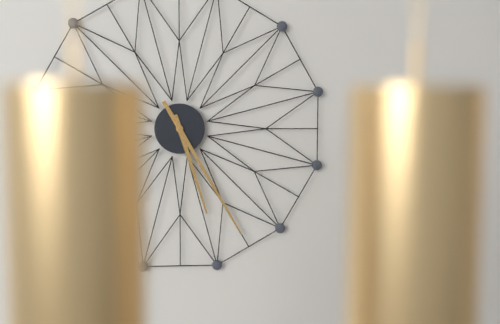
5:25
